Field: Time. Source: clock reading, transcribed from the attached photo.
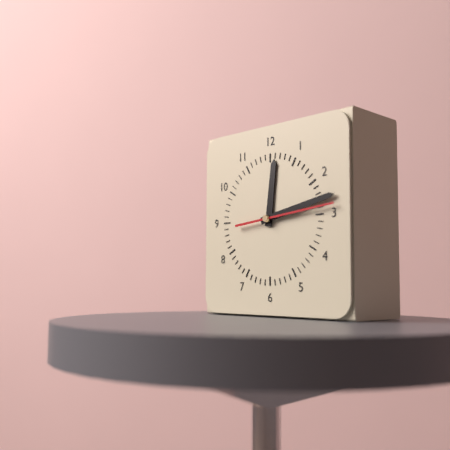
12:13:14
